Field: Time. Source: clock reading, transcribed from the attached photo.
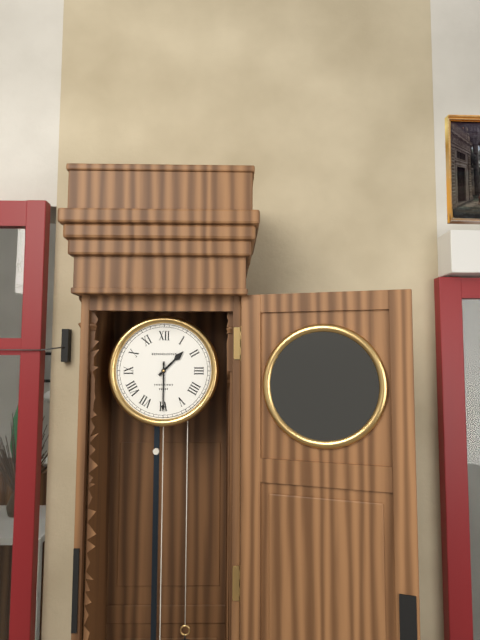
1:30
